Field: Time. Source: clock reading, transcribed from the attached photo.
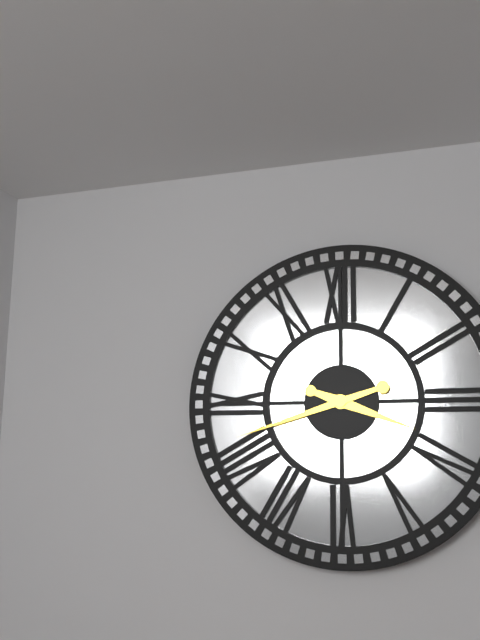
3:42
